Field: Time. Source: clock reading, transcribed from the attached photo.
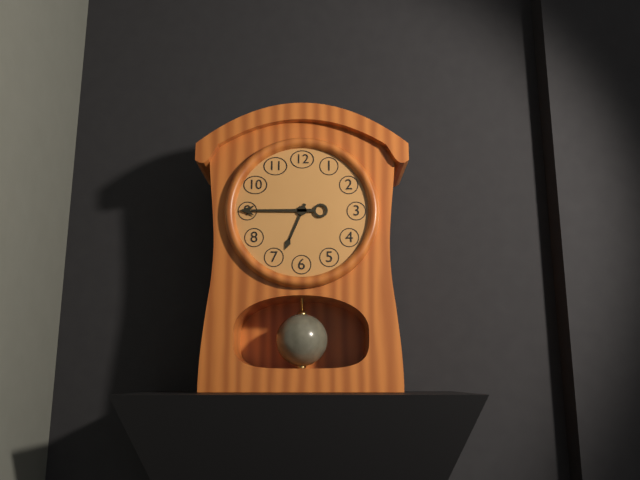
6:45
